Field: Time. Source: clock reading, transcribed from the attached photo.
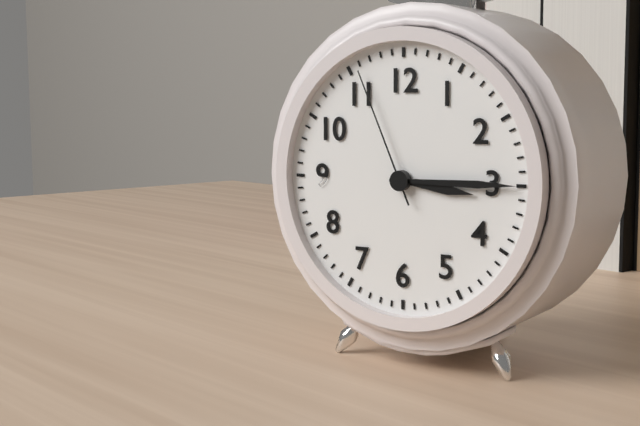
3:15:56
